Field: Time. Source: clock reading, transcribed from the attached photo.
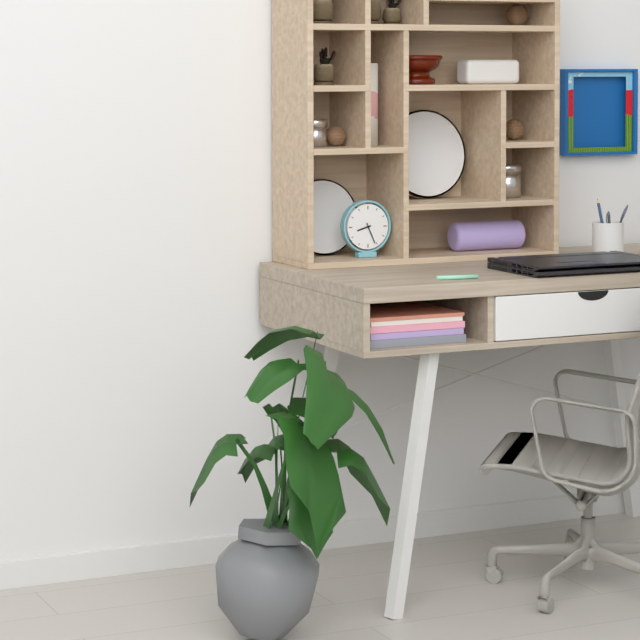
8:26
